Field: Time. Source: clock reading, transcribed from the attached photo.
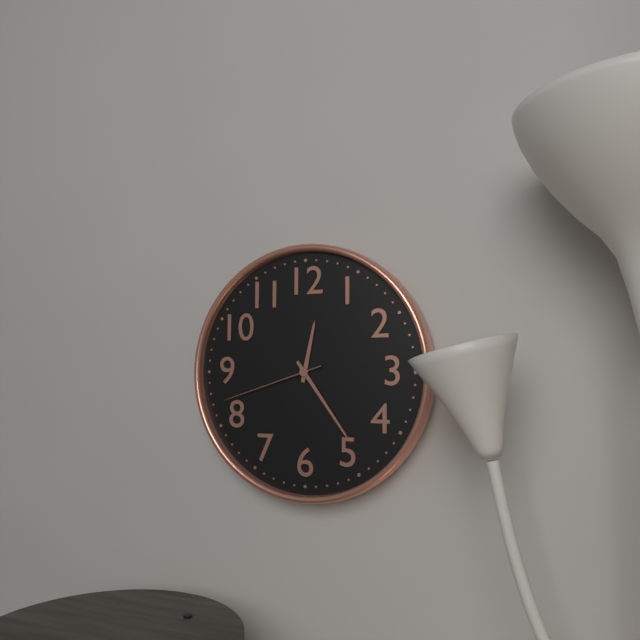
12:24:42
